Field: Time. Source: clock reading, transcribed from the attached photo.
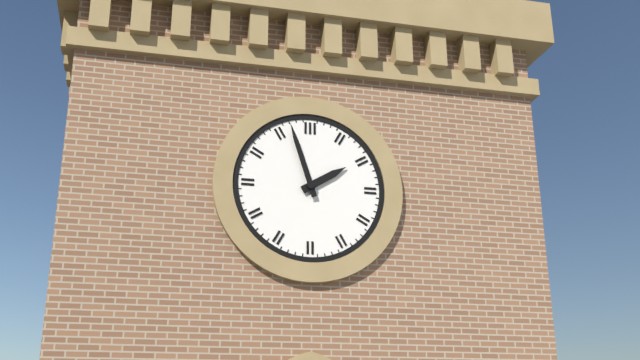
1:57
